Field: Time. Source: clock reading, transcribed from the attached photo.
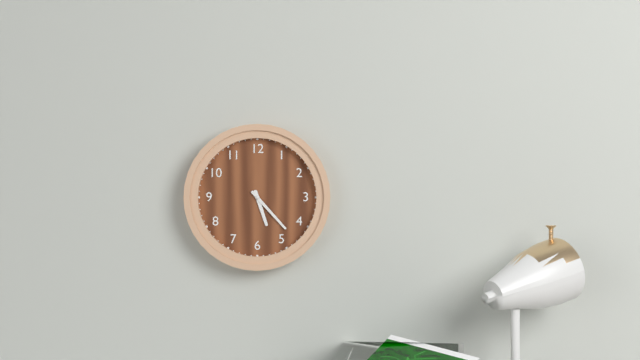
5:23
